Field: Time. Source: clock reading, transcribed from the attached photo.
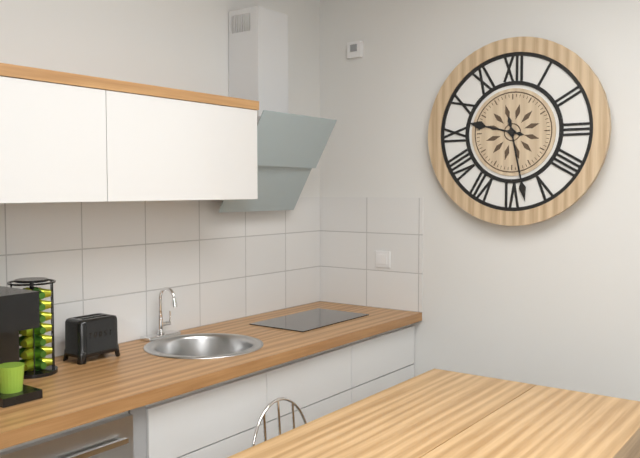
9:28
